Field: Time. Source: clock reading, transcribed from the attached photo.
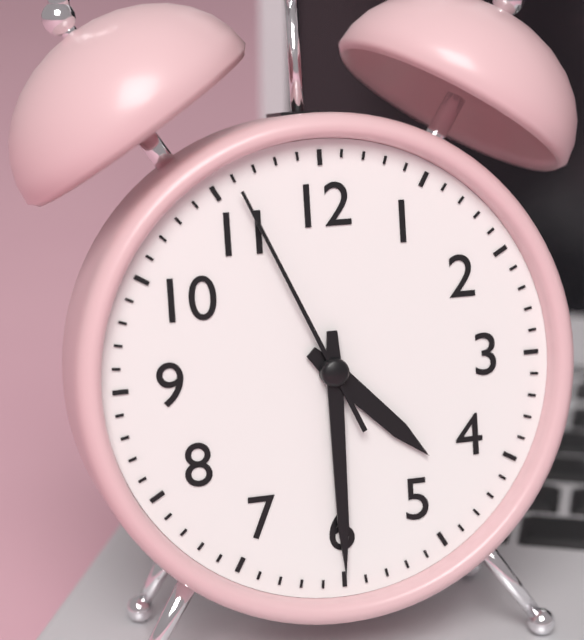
4:30:56
